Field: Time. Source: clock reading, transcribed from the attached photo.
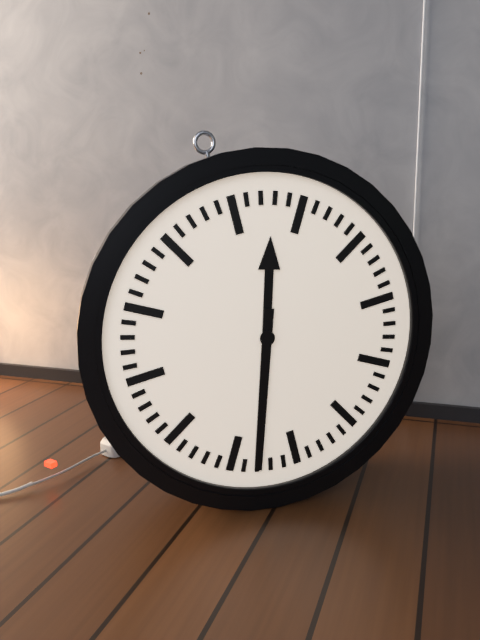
12:33
